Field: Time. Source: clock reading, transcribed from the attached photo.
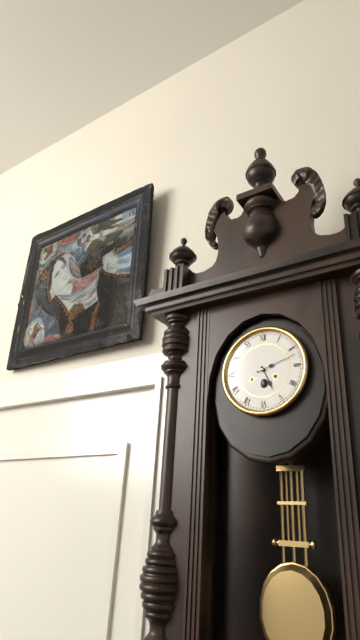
5:12
